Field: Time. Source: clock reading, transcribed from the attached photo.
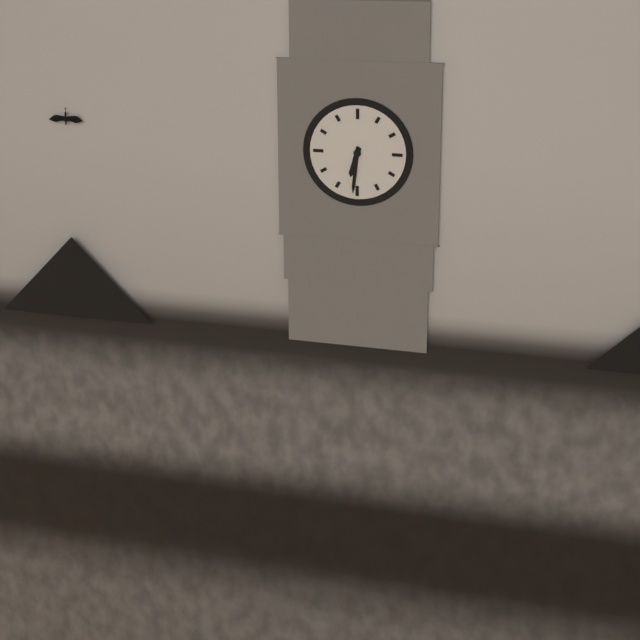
6:31
